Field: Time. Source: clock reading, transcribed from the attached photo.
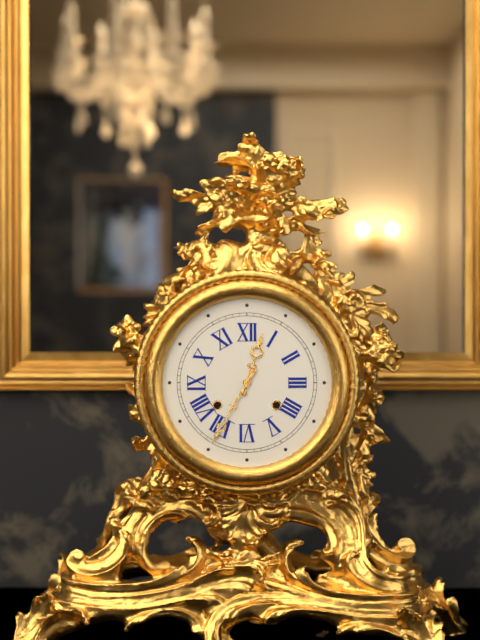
12:35
